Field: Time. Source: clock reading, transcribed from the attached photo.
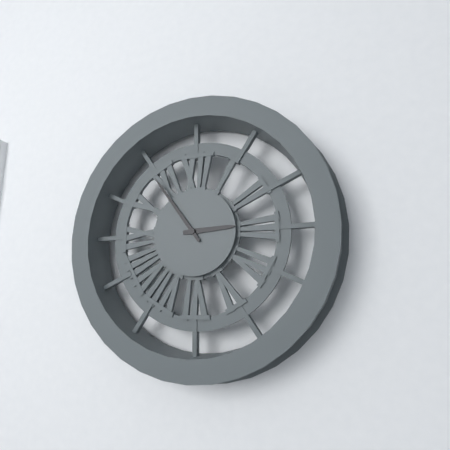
2:54
